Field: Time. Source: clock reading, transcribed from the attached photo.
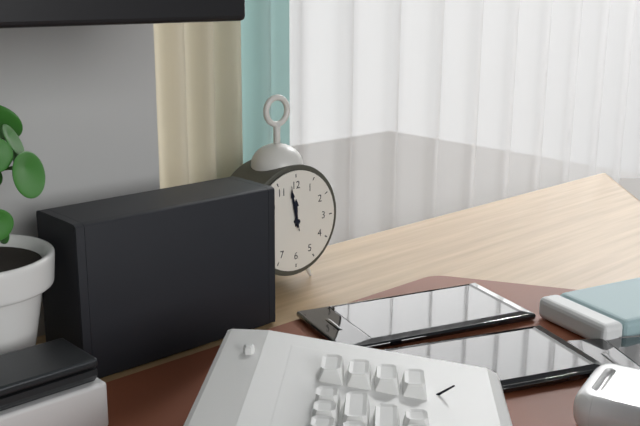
11:58
